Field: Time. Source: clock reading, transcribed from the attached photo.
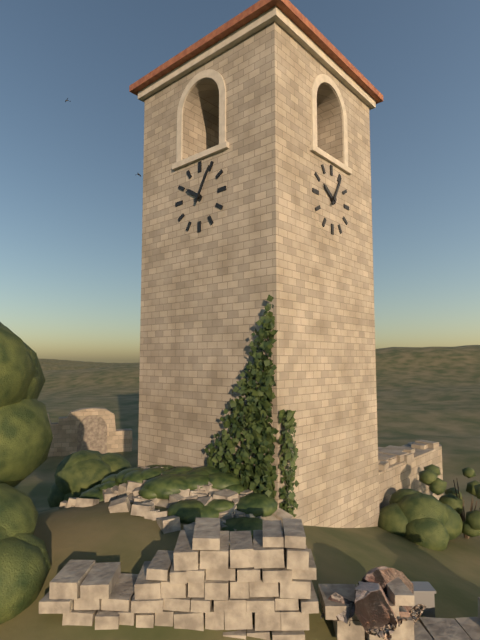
10:05
